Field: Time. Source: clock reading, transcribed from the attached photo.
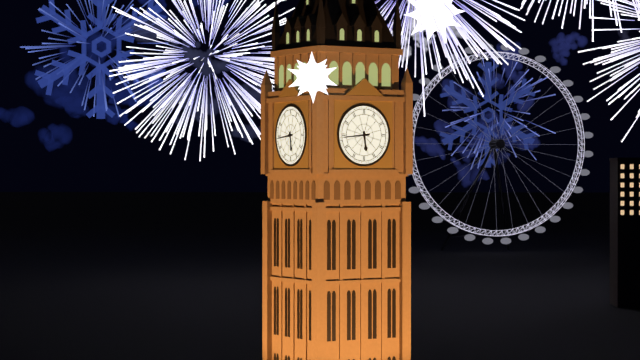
5:44
